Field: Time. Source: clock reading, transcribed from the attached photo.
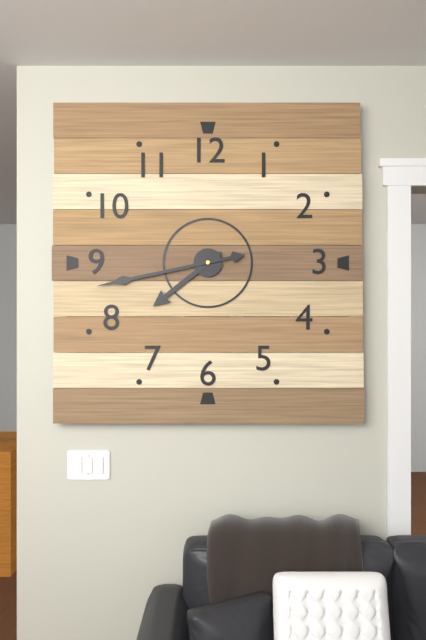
7:43
